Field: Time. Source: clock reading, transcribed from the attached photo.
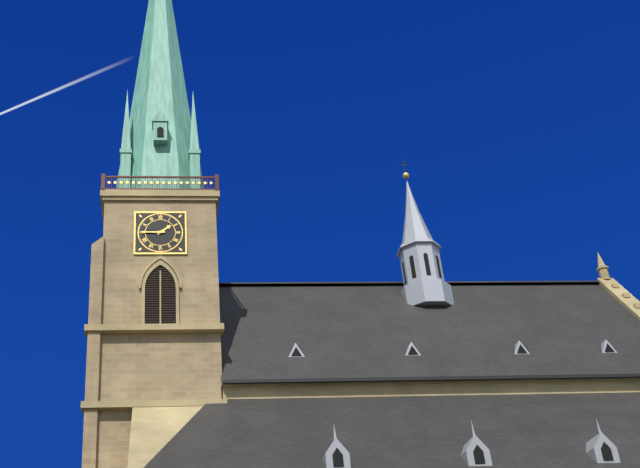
1:45
